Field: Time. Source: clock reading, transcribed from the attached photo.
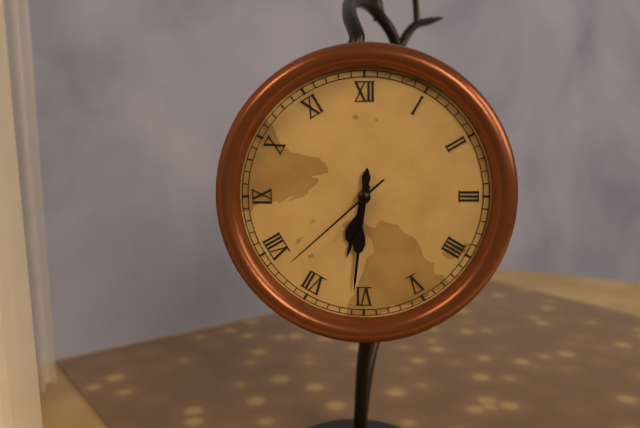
6:31:38
